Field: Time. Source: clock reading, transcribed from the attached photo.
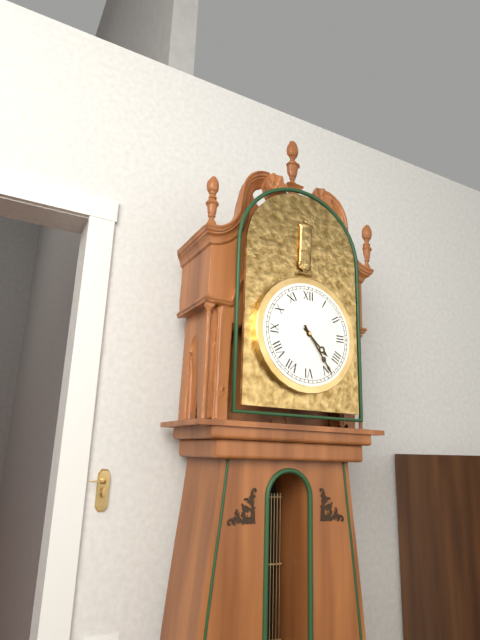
4:24
